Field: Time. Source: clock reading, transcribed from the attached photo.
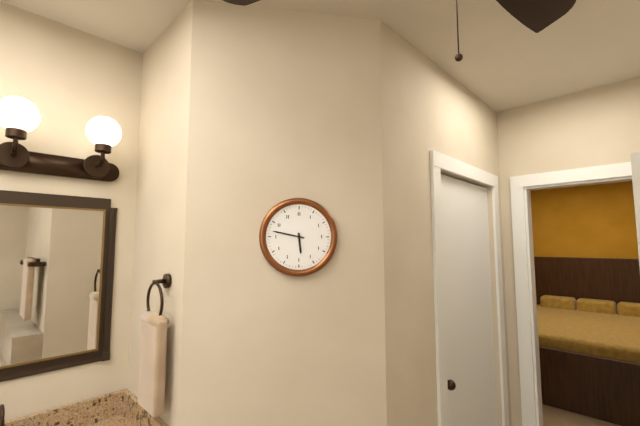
5:47
